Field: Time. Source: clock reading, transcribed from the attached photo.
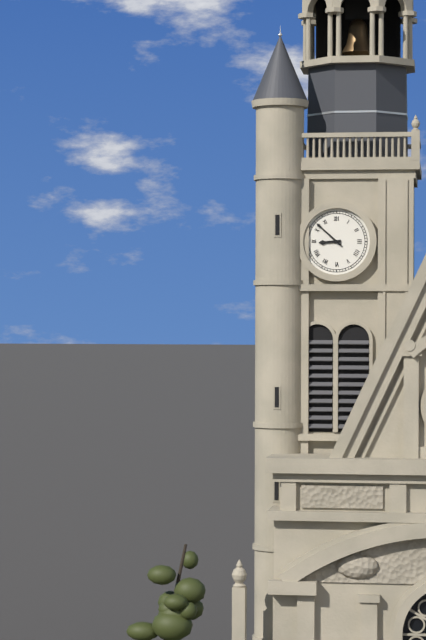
8:52
